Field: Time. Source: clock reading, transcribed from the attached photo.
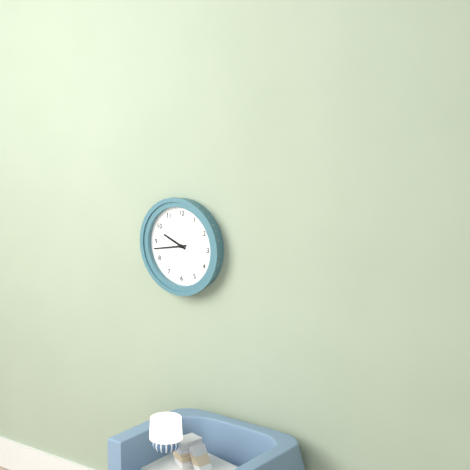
9:43
